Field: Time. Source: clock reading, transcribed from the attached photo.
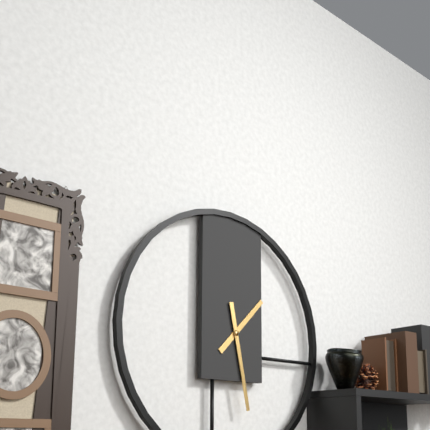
1:28
